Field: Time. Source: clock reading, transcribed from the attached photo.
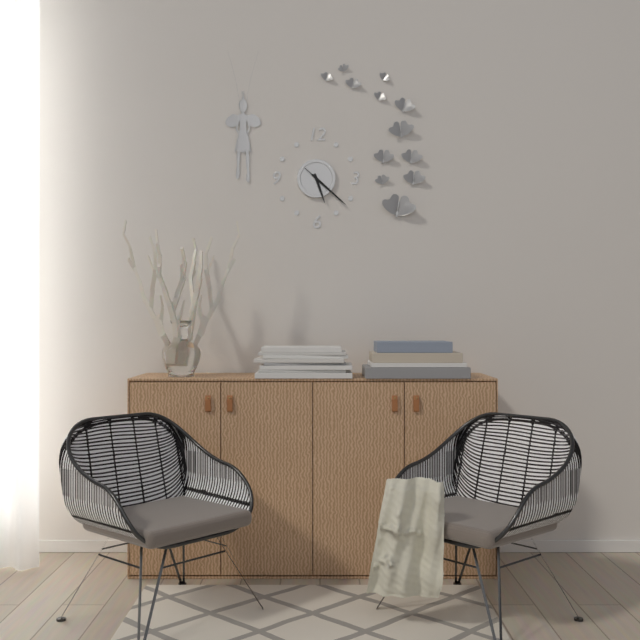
5:22
